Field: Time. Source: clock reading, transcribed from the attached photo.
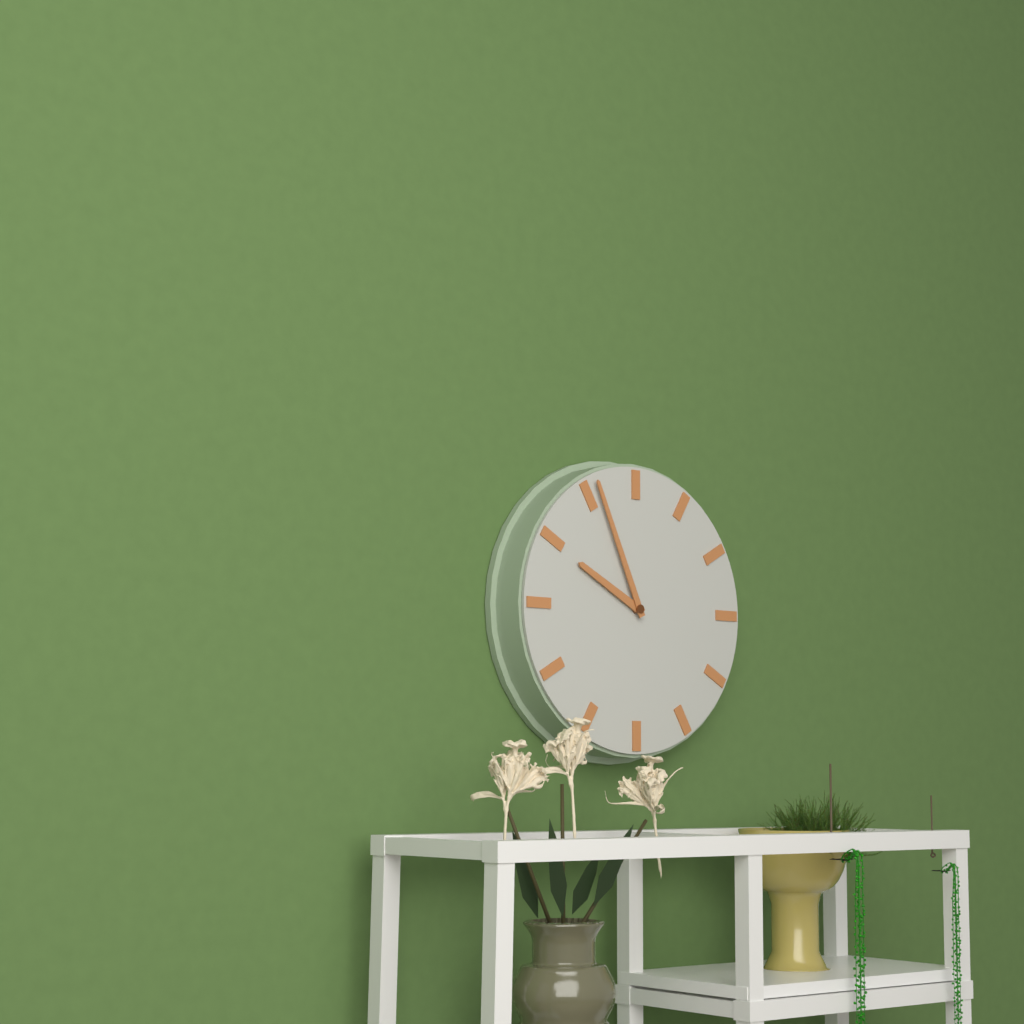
9:56
